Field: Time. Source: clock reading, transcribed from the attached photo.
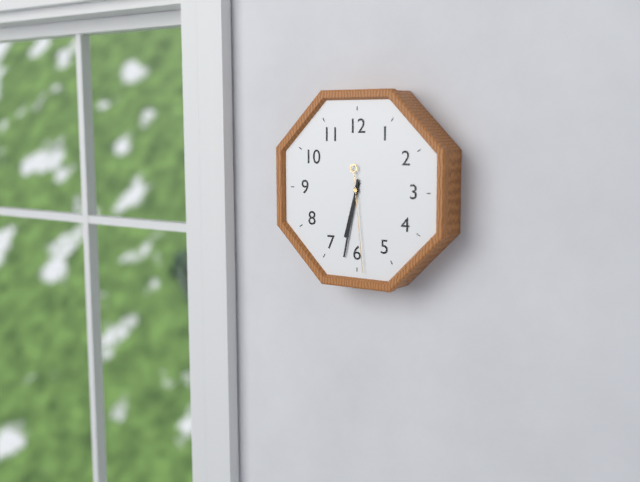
6:32:29
